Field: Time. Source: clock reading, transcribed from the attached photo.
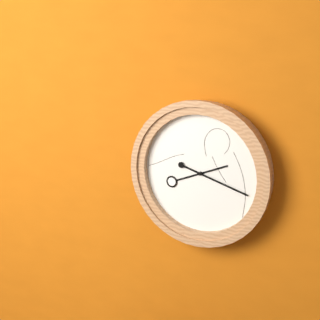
2:18
